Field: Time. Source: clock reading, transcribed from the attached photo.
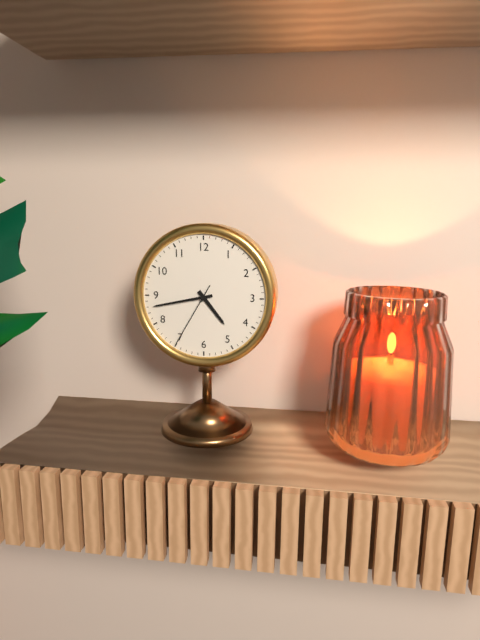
4:43:35
